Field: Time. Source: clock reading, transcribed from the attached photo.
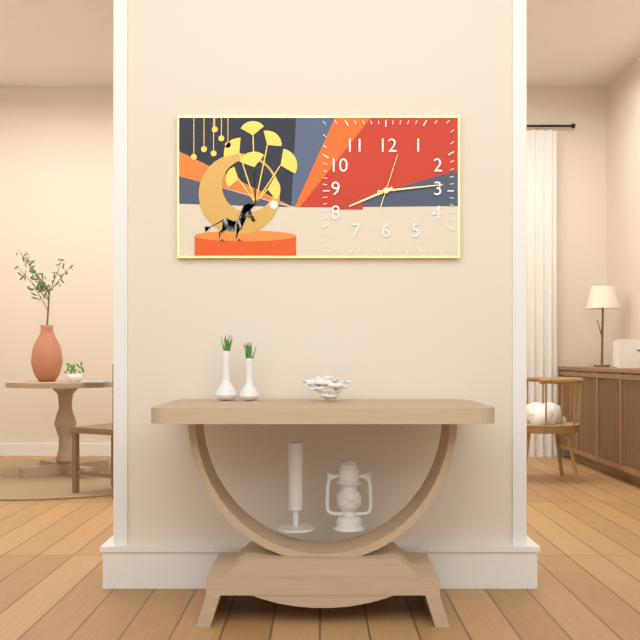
8:14
